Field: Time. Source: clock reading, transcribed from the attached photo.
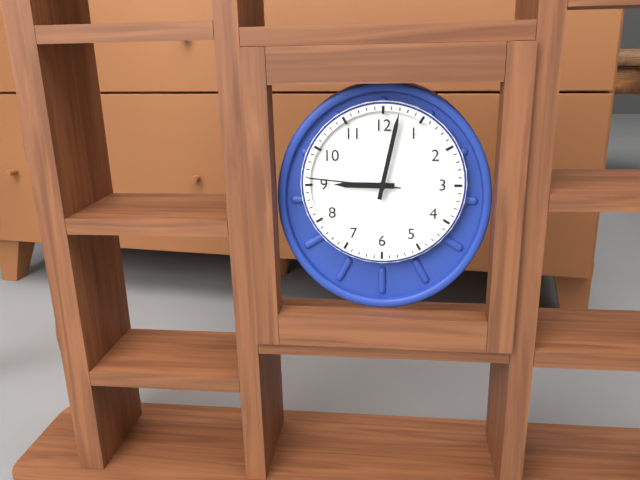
9:02:46
